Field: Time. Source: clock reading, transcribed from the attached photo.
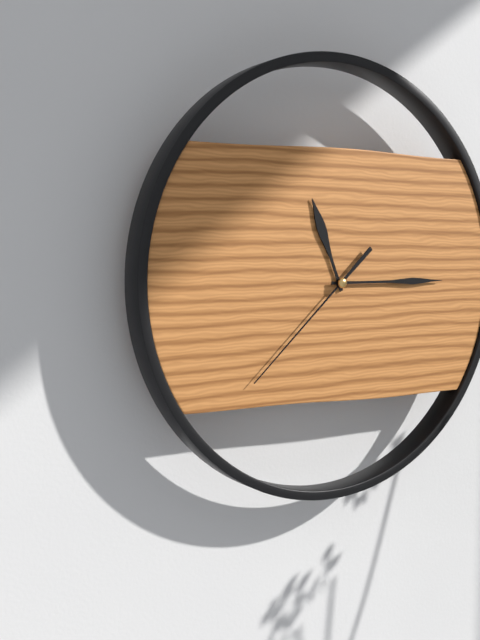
11:15:38
